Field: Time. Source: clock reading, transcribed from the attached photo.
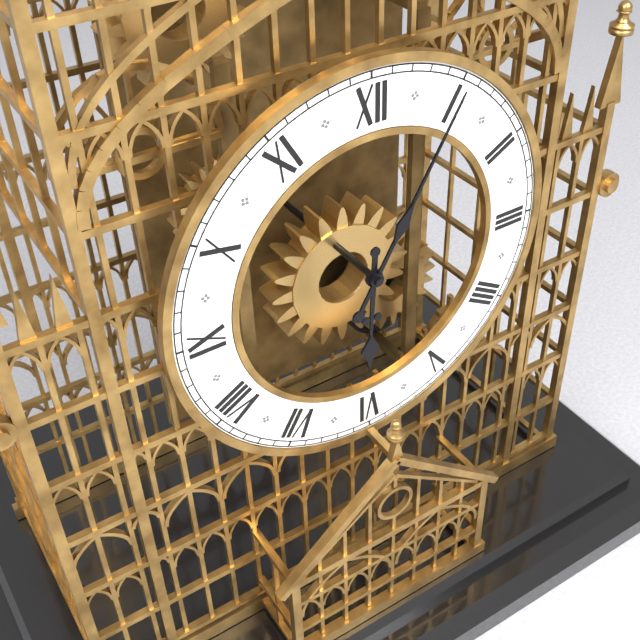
6:05
